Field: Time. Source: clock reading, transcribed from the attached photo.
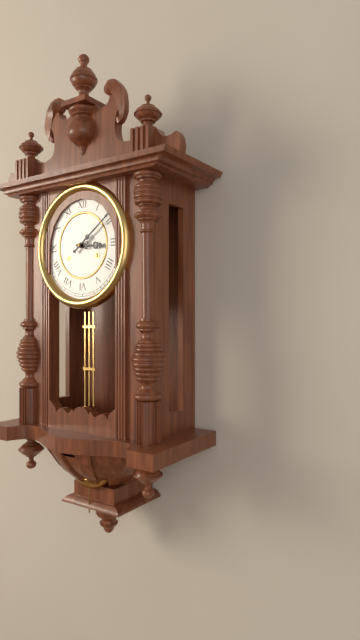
3:09
